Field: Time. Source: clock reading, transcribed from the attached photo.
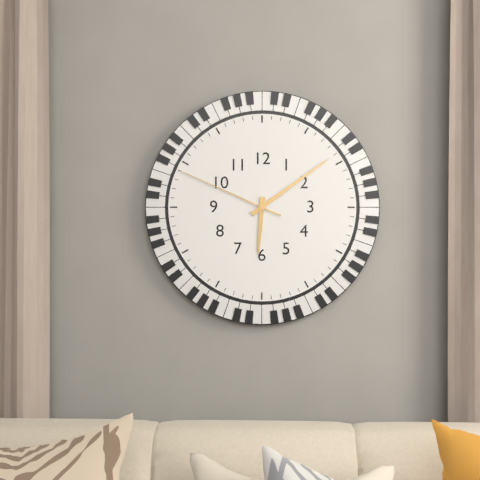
6:09:49
